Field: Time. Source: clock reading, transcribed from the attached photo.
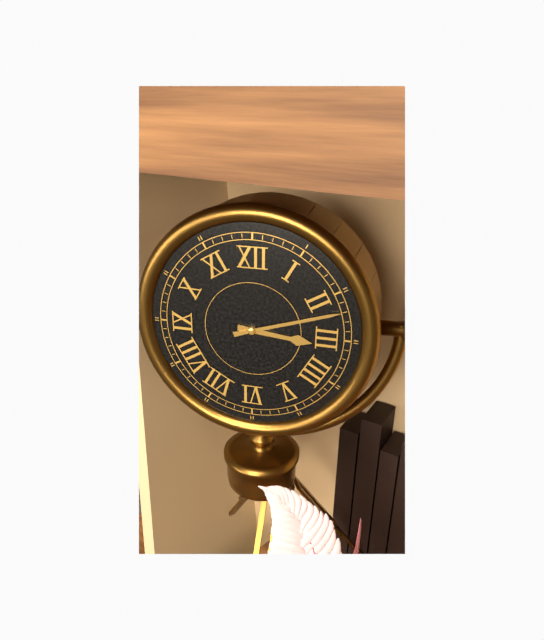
3:12
